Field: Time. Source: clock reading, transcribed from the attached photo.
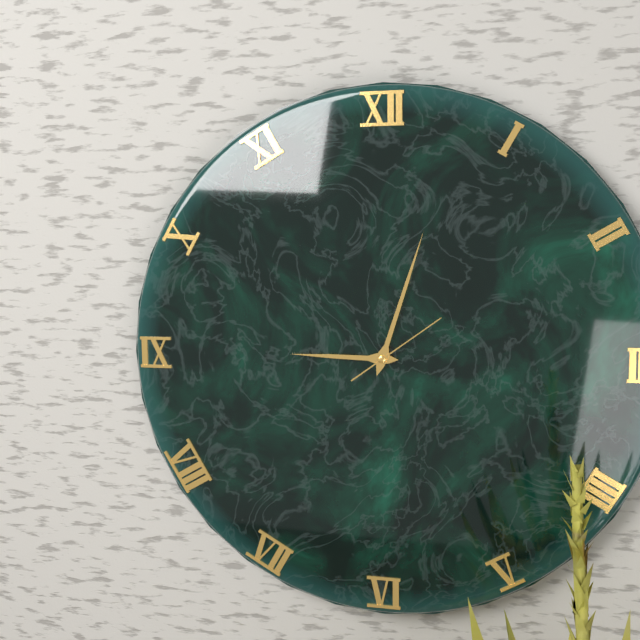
9:03:09
